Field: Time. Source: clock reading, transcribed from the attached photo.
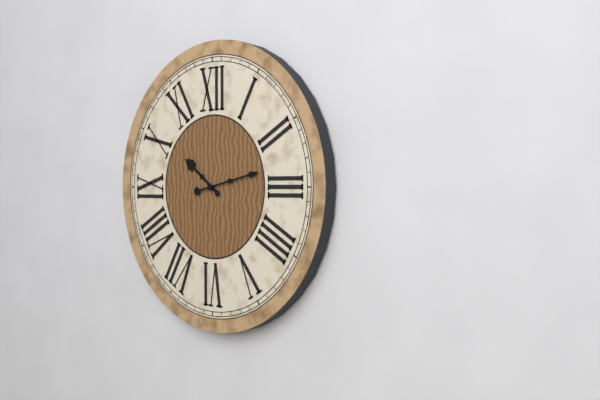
10:13
